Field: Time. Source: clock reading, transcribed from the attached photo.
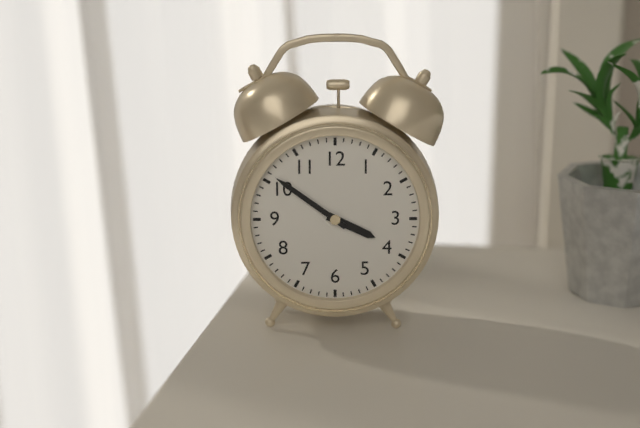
3:51
